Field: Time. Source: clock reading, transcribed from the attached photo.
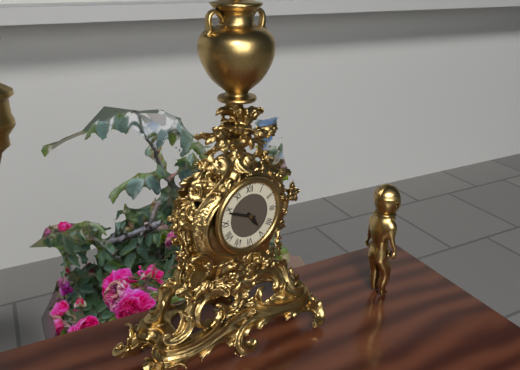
4:49
